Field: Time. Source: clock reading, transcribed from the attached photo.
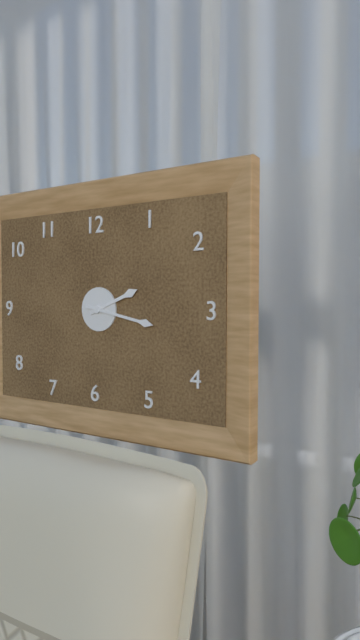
2:17
